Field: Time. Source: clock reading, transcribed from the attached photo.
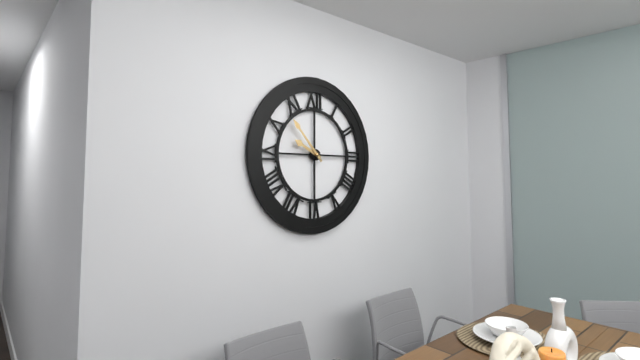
9:53
